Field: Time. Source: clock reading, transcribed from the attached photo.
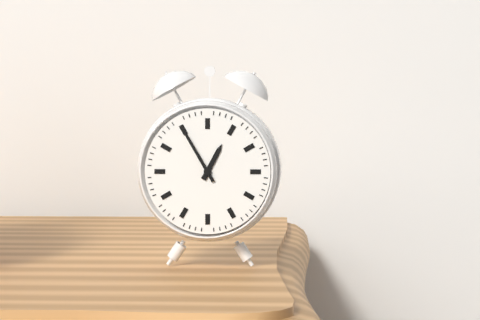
12:55
